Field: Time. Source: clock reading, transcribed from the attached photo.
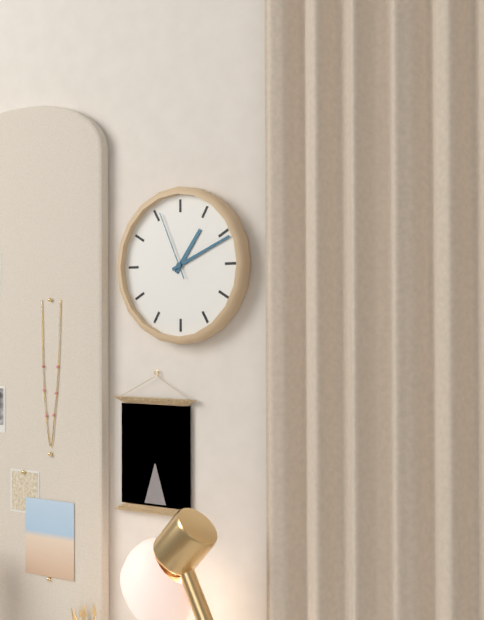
1:11:56
